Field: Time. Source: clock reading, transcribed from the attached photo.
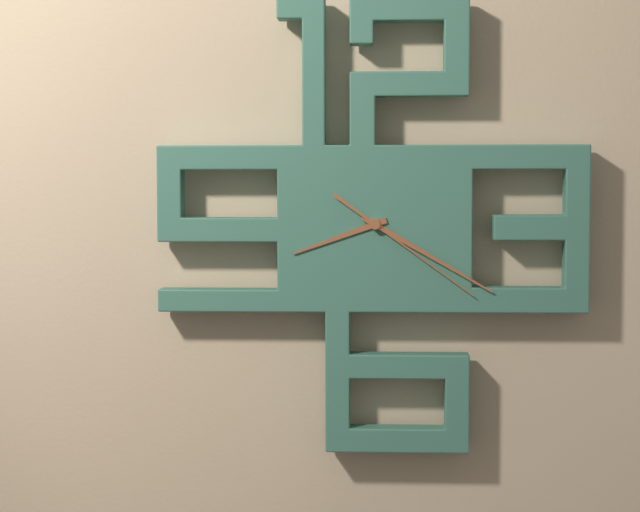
8:20:21
